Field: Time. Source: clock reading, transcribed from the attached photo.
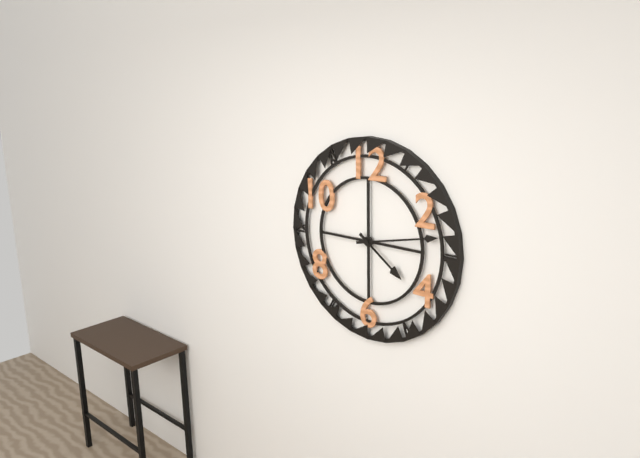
4:13
